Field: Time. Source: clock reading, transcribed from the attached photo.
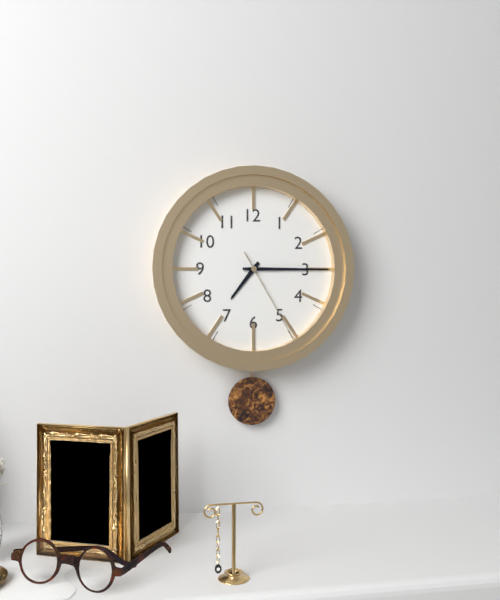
7:15:25
